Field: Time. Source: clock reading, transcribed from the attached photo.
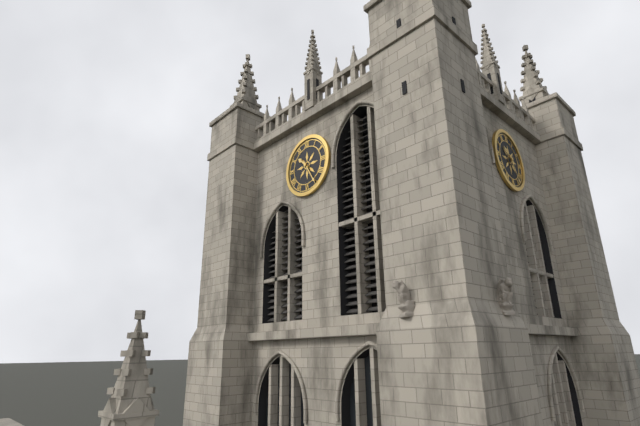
10:25
